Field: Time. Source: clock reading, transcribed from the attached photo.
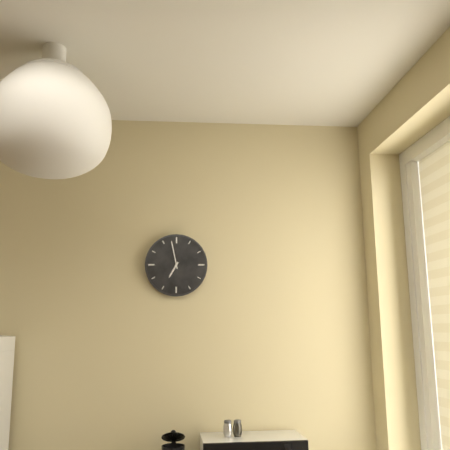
6:58
